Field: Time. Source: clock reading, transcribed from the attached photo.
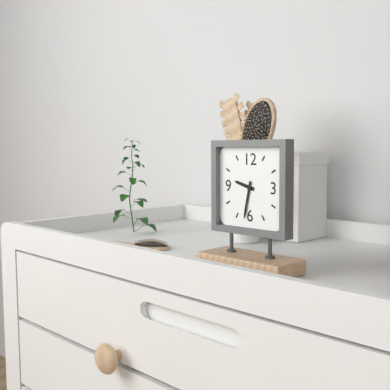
9:32
